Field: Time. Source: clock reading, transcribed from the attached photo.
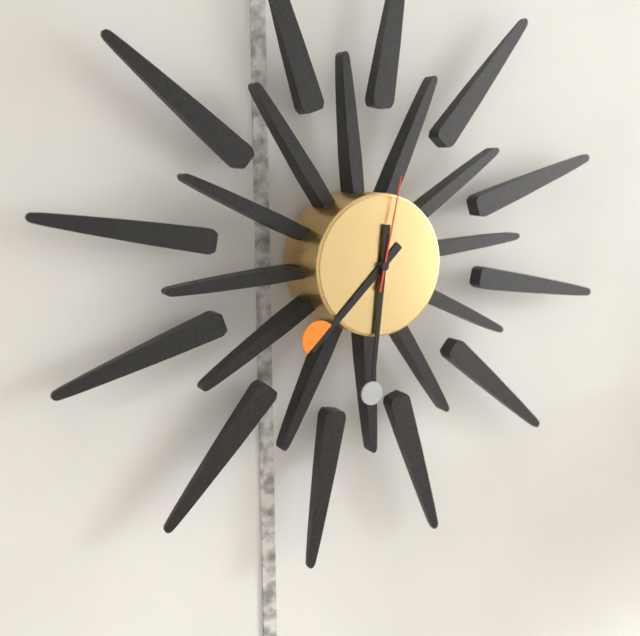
7:31:02
